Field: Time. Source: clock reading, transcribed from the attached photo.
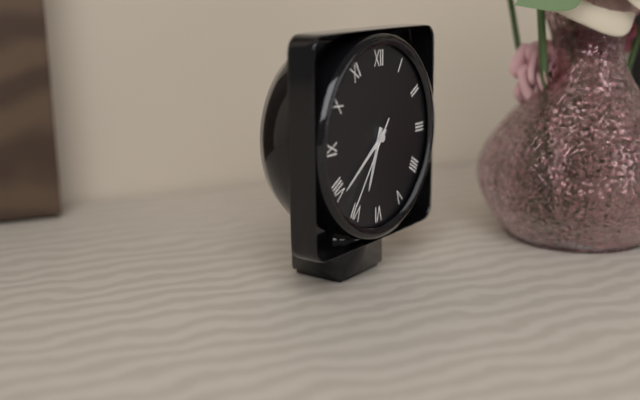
6:39:36
